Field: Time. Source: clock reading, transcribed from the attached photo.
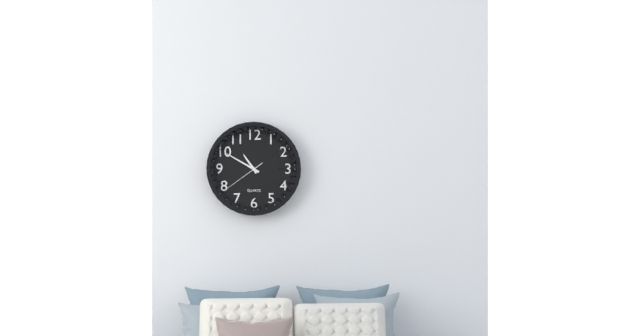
10:50
